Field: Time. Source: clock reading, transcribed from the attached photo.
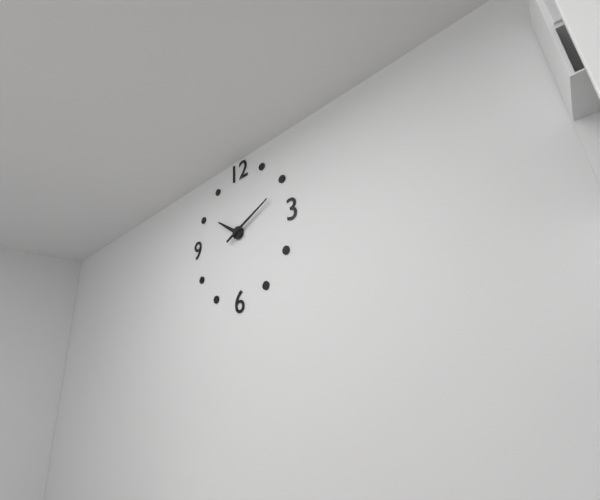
10:11
